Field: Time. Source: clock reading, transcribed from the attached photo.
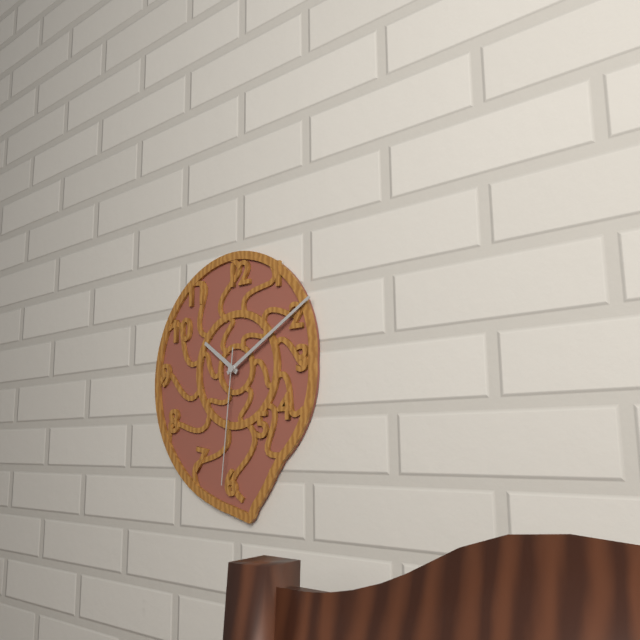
10:10:31
